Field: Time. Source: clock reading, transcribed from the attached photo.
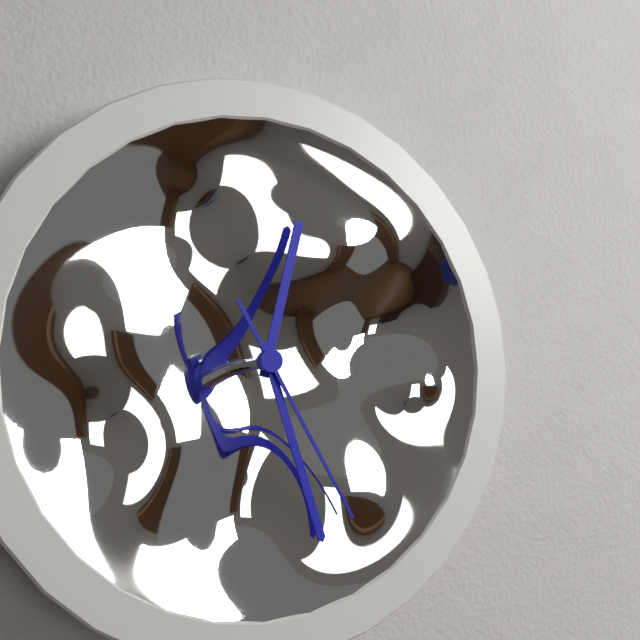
12:27:25
